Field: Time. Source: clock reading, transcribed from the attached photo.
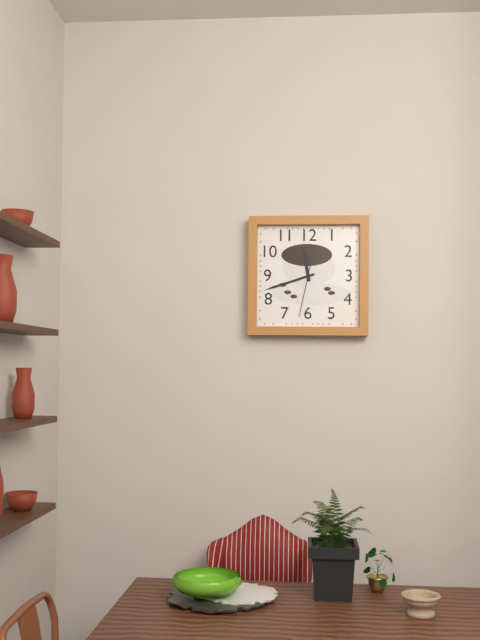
11:42:32
